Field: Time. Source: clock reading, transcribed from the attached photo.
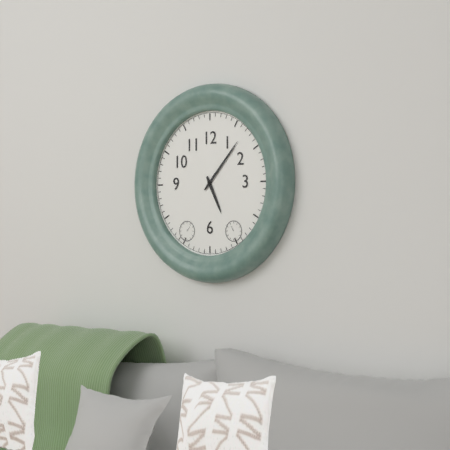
5:07
